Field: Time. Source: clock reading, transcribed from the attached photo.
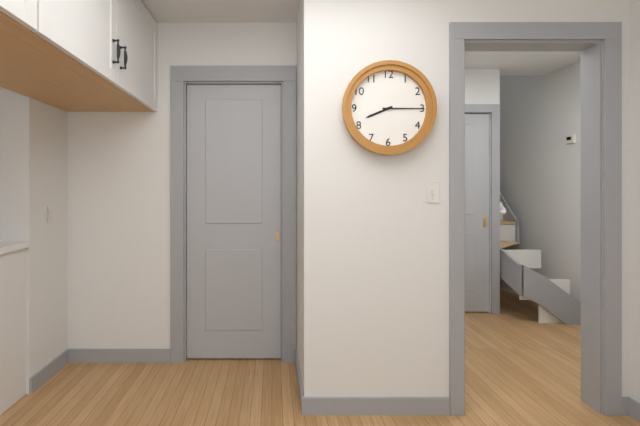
8:15
